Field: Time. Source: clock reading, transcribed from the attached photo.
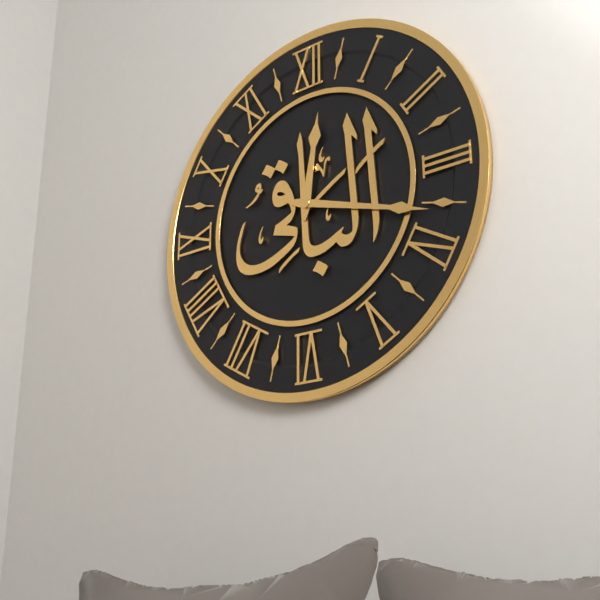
12:18
